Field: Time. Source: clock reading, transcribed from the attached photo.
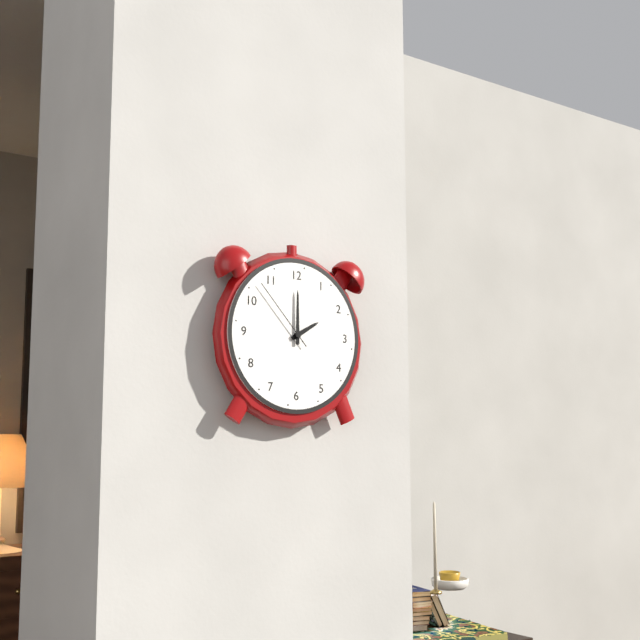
2:00:53
